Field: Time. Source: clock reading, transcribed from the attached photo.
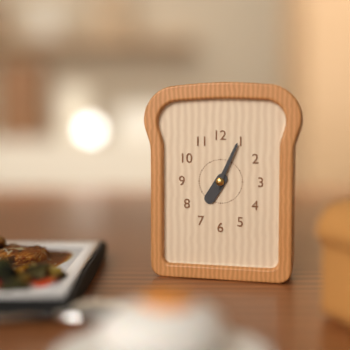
7:04
